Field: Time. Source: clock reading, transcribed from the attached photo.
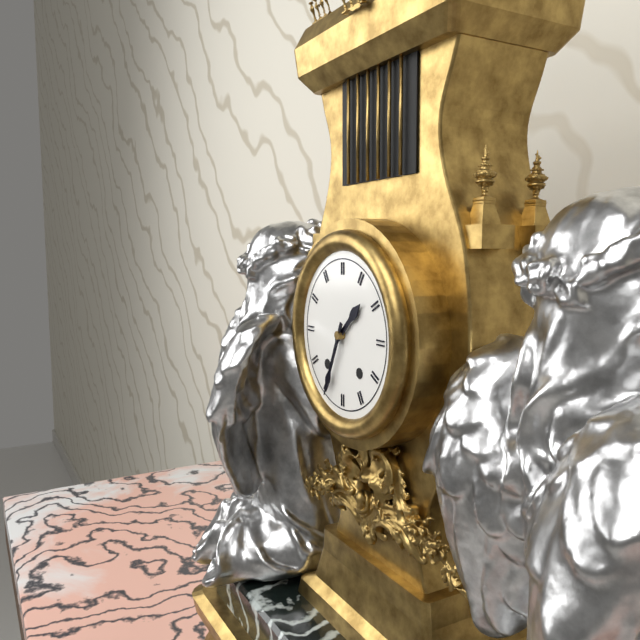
1:34
